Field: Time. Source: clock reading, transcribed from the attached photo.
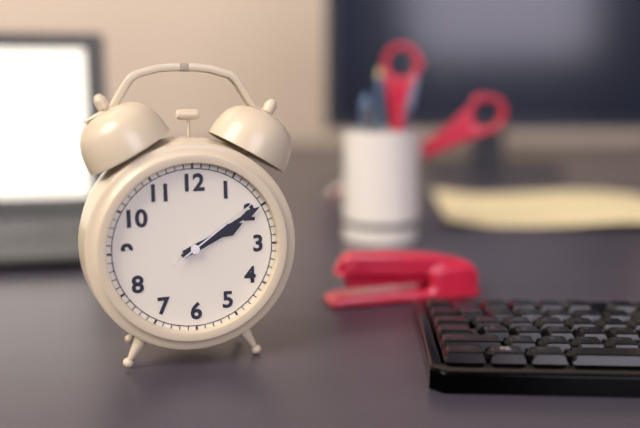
2:10:09
